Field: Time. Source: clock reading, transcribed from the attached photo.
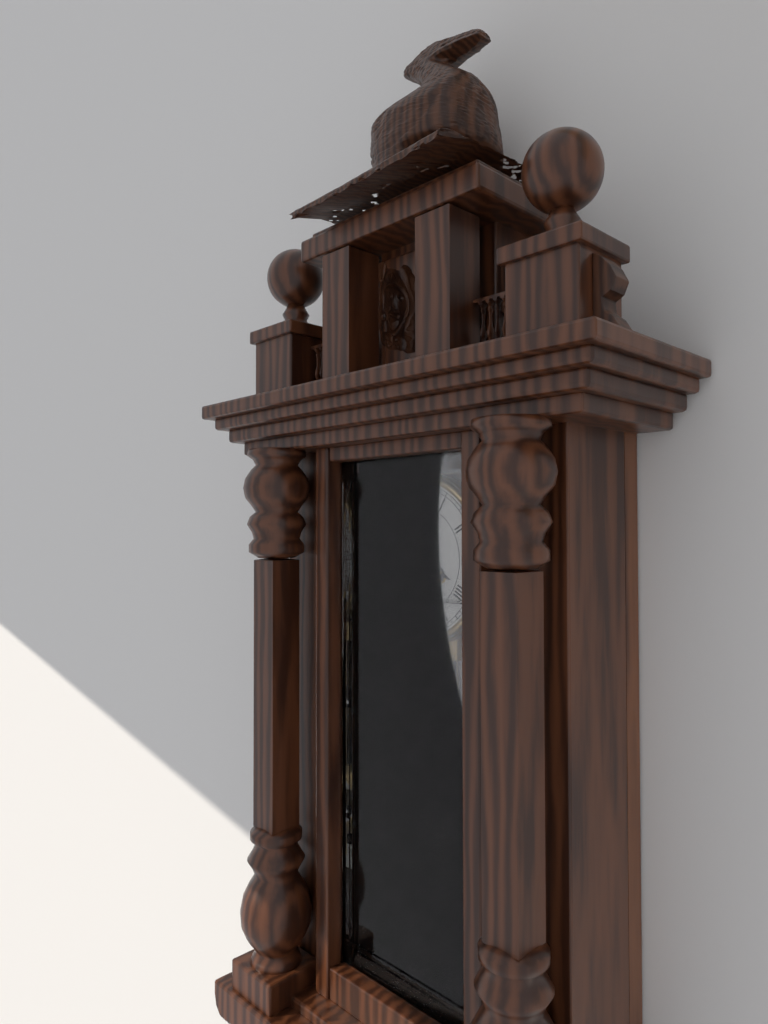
3:48
